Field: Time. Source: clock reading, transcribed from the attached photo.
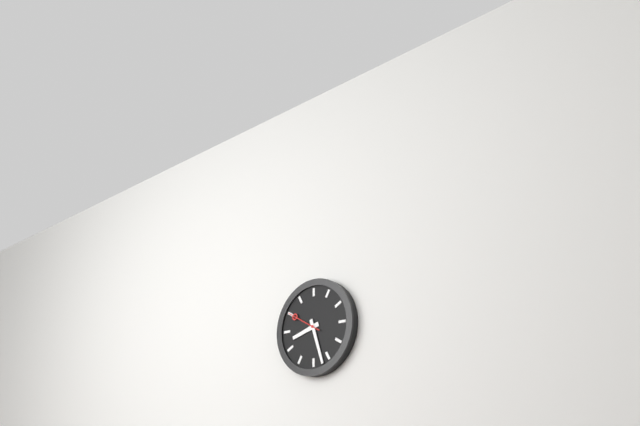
8:27
